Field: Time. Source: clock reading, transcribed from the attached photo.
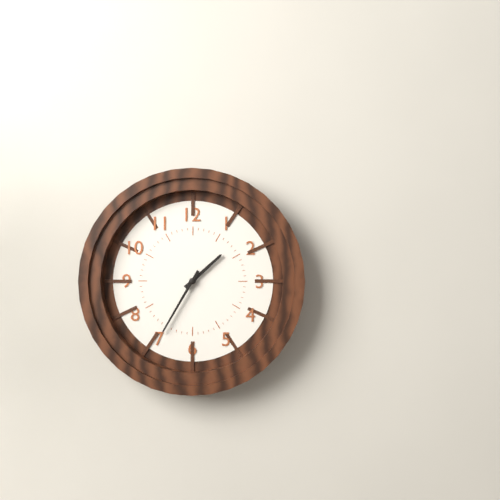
1:35
